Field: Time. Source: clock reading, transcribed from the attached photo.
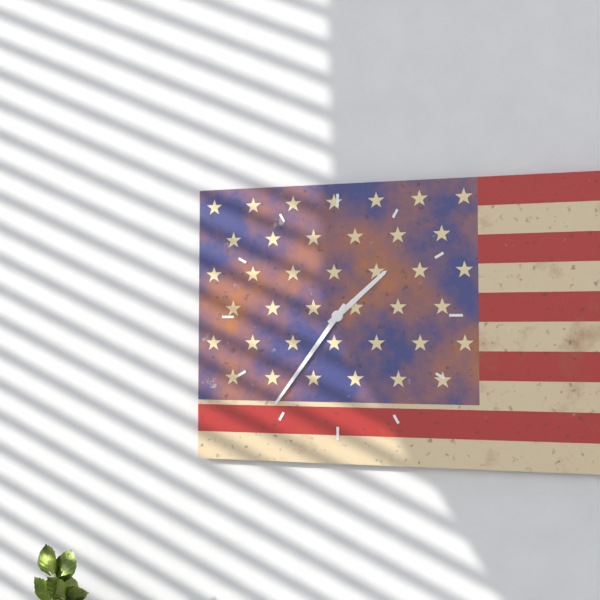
1:36
